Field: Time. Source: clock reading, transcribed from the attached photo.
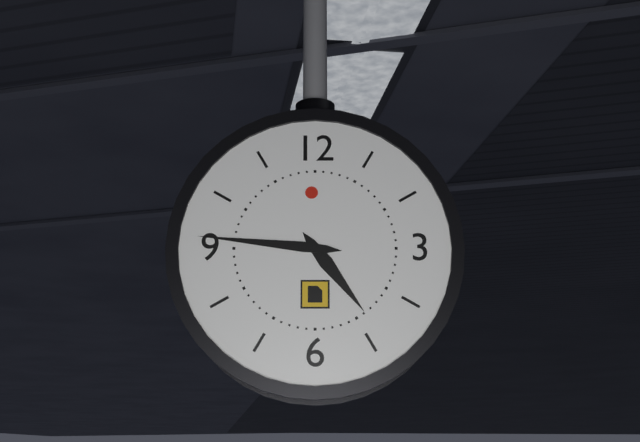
4:46
